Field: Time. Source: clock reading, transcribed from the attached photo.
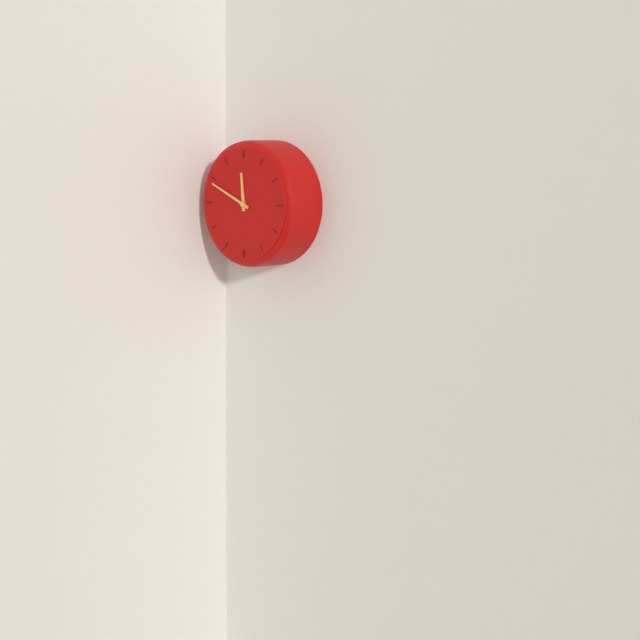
11:49
